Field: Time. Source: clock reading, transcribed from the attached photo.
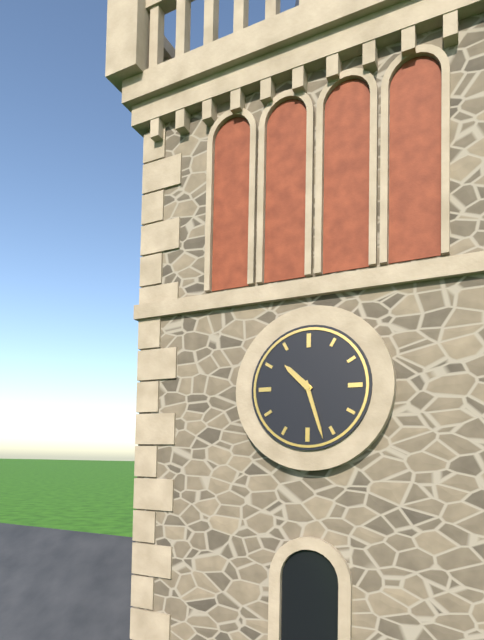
10:27
